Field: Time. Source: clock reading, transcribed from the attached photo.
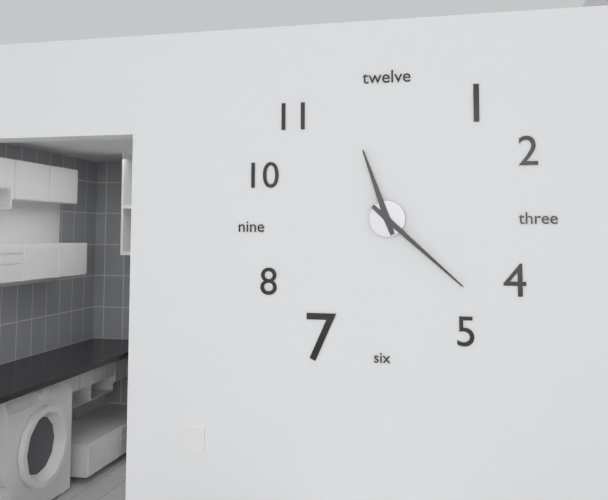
11:22
